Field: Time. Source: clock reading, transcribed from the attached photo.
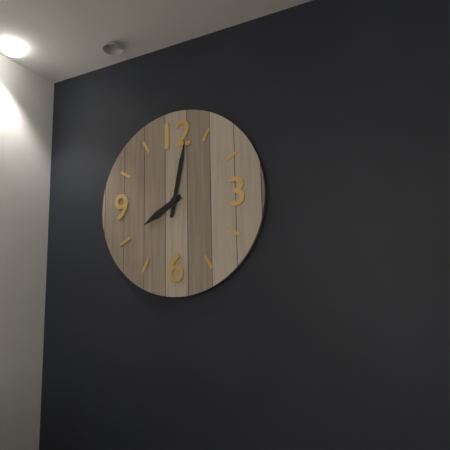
8:02
